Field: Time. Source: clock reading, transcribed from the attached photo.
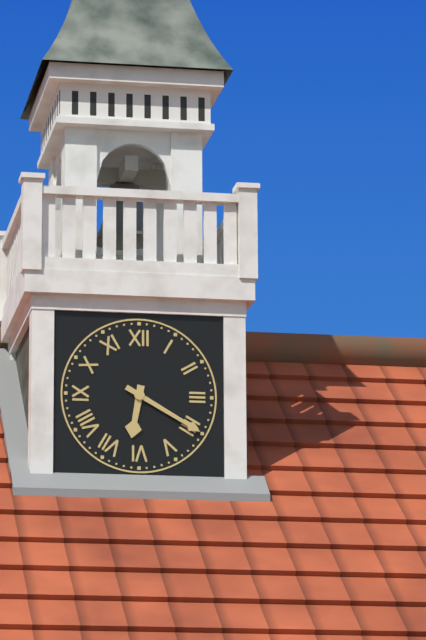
6:20
